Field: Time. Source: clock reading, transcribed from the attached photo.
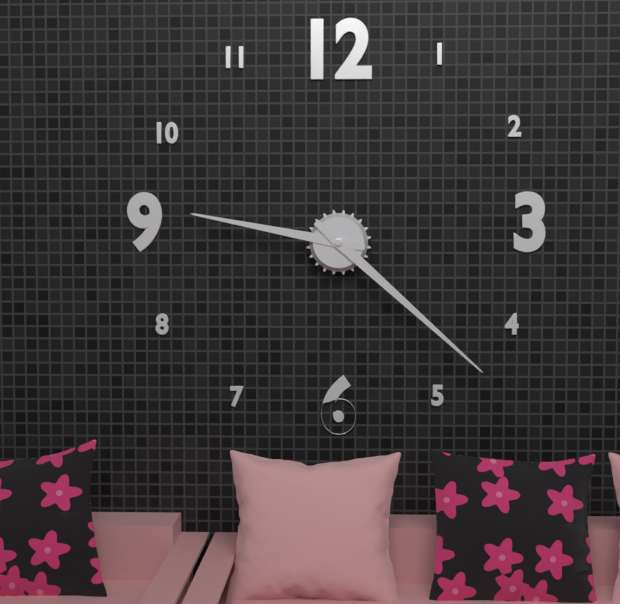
9:22
